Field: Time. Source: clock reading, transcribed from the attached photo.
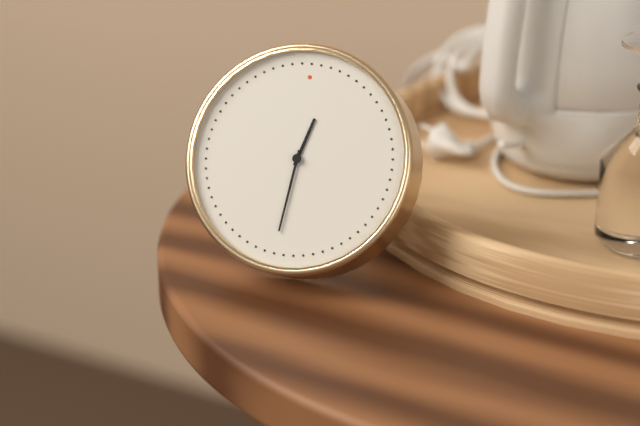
12:31
